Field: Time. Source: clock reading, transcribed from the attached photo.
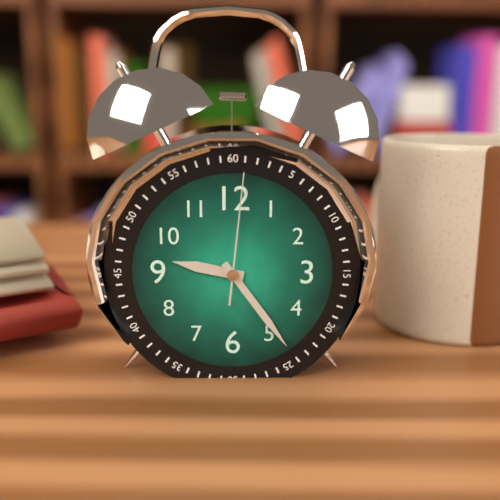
9:24:01
